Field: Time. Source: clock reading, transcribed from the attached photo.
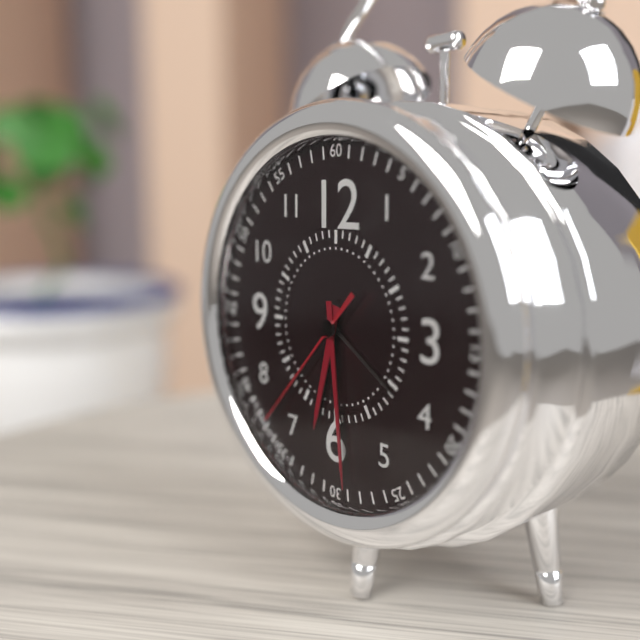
6:29:37
